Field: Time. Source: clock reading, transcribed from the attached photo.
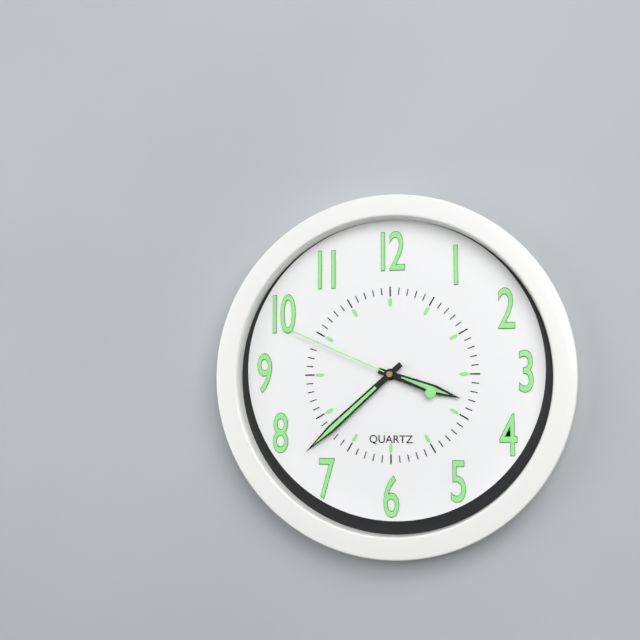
3:38:49
